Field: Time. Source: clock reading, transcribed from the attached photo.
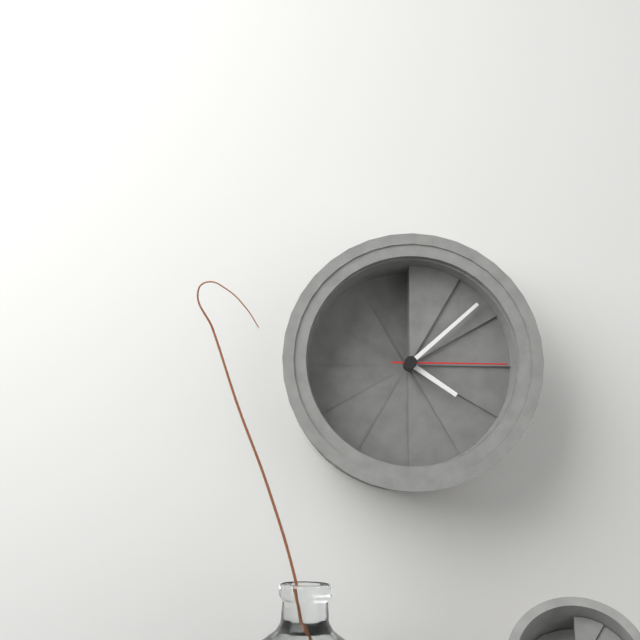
4:08:15
